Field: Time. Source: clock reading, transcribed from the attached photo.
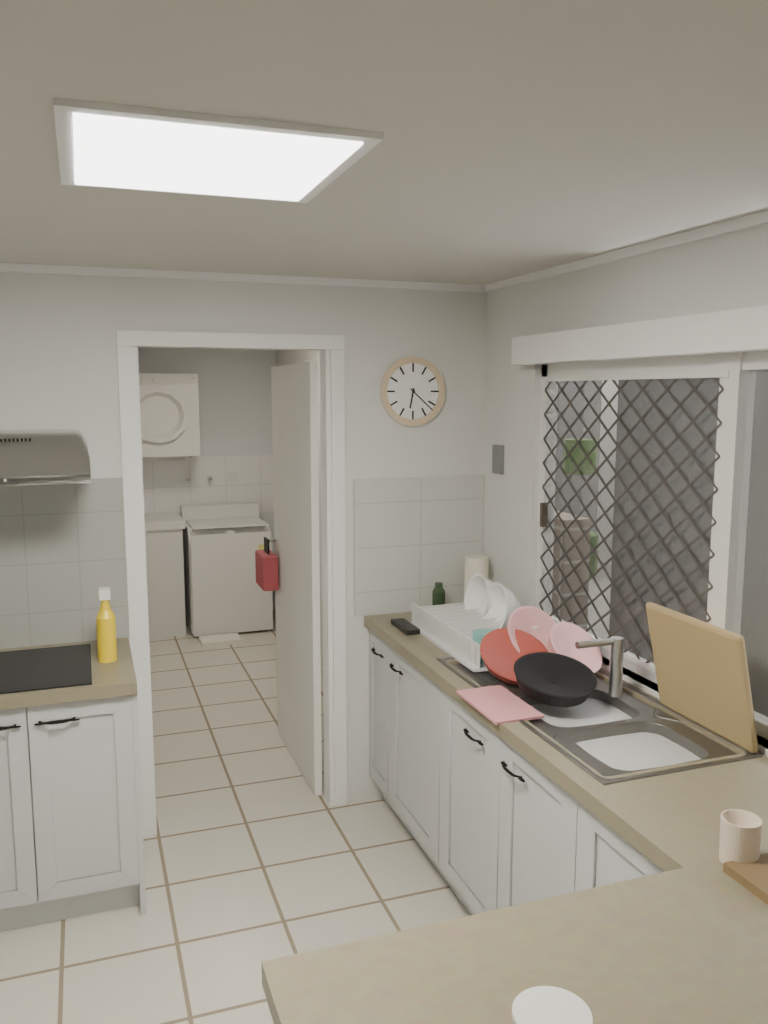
6:22
